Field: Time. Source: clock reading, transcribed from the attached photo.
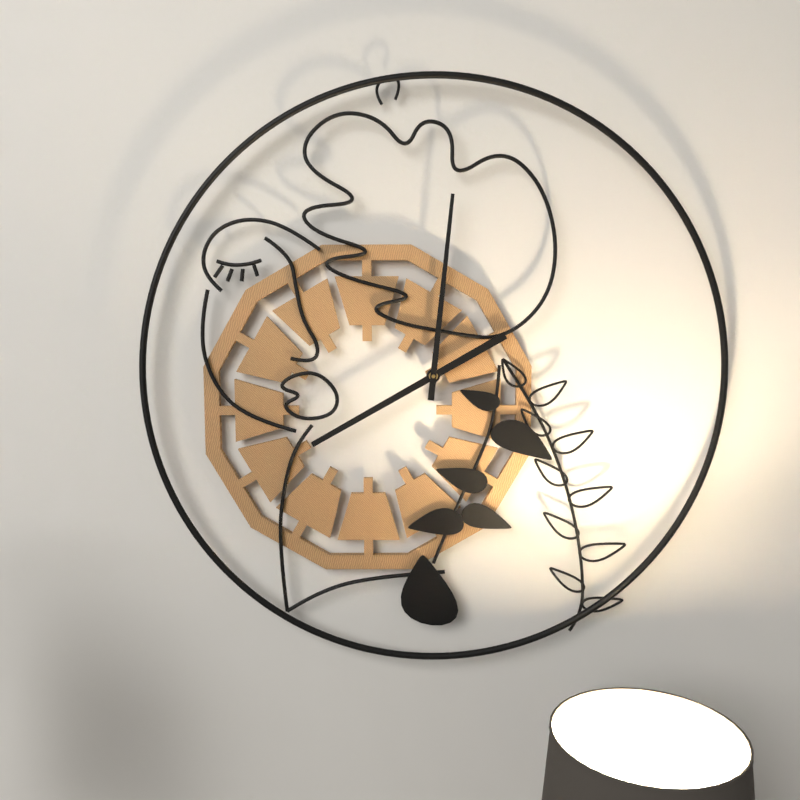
8:01
